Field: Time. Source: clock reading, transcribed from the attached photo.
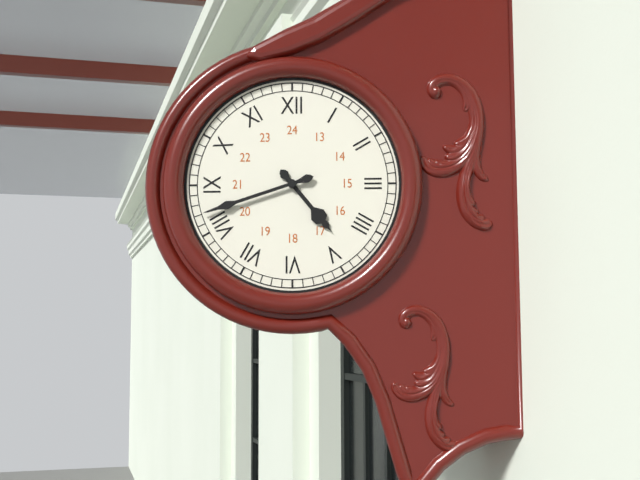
4:42
